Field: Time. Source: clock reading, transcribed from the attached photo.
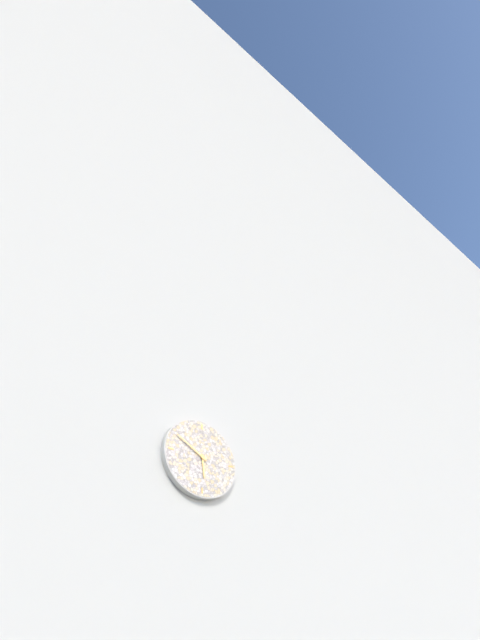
5:50
